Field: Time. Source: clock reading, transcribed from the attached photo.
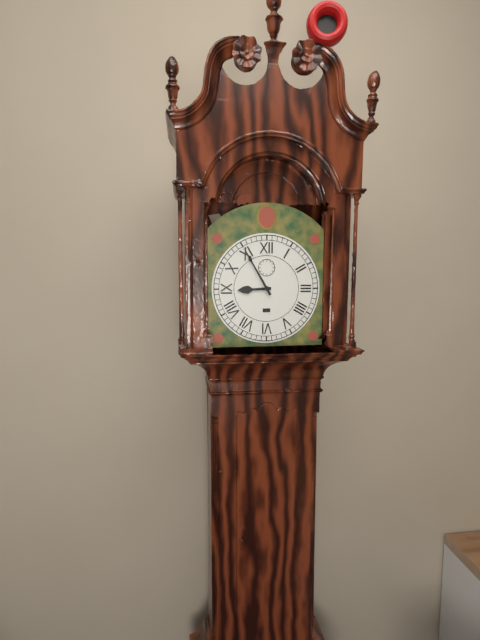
8:55
